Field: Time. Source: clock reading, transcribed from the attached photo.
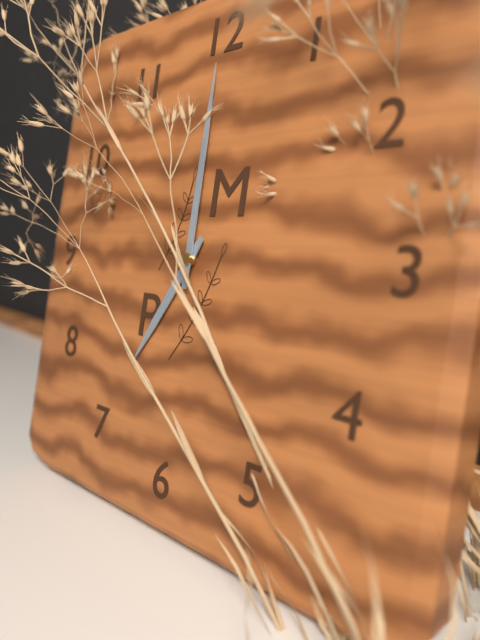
7:00
